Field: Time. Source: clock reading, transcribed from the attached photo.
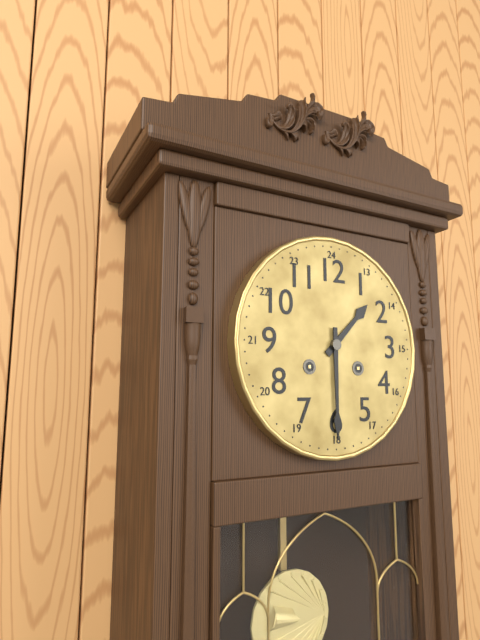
1:30
